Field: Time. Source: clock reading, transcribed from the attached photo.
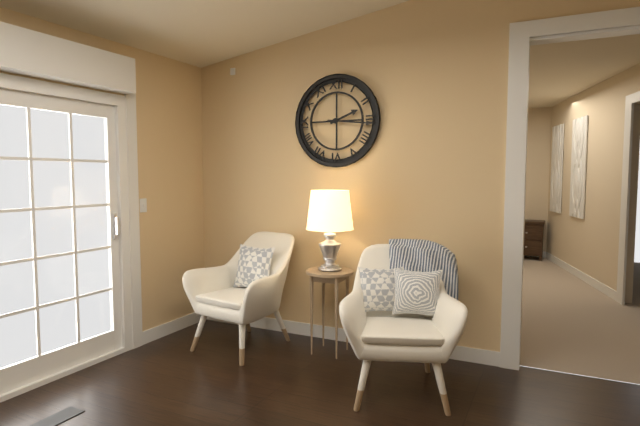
2:16
